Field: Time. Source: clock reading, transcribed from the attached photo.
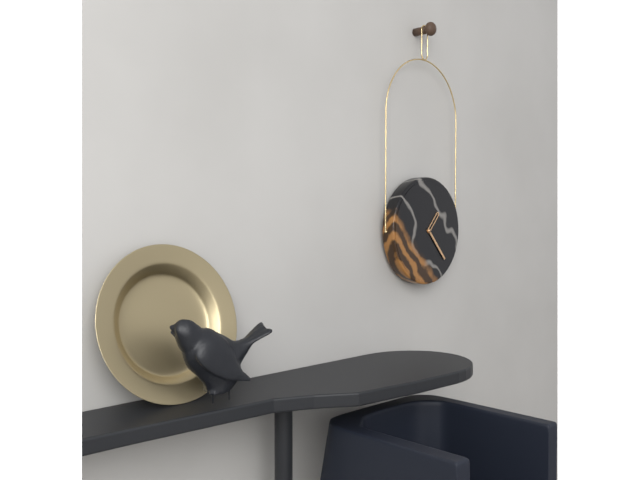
1:23
